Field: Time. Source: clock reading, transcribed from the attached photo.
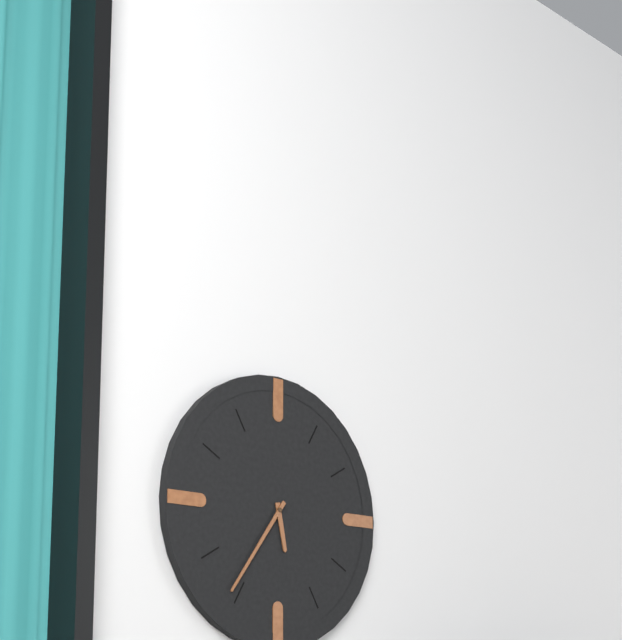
5:36
